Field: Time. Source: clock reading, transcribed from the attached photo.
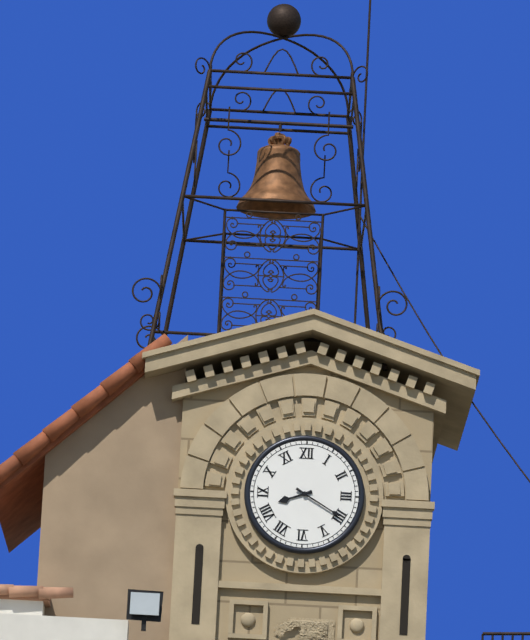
8:20
